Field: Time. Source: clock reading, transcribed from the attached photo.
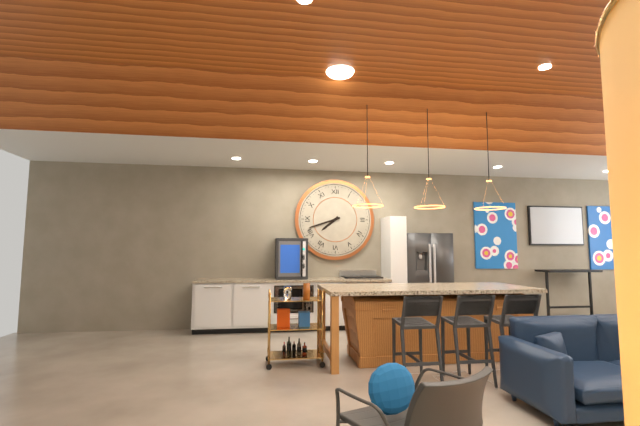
7:42
